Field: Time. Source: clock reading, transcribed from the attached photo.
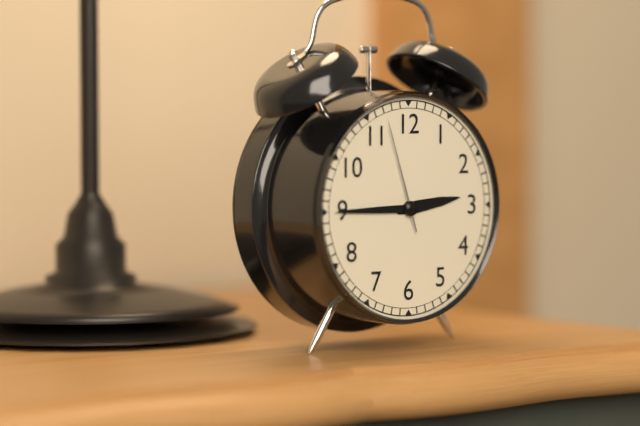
2:45:57
